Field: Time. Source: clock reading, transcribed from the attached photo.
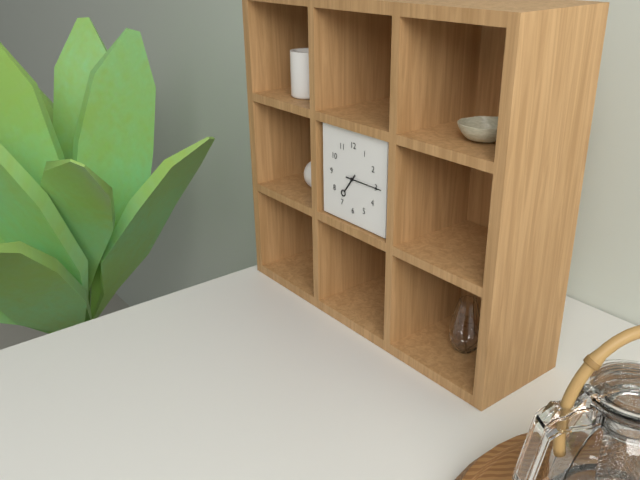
7:15
